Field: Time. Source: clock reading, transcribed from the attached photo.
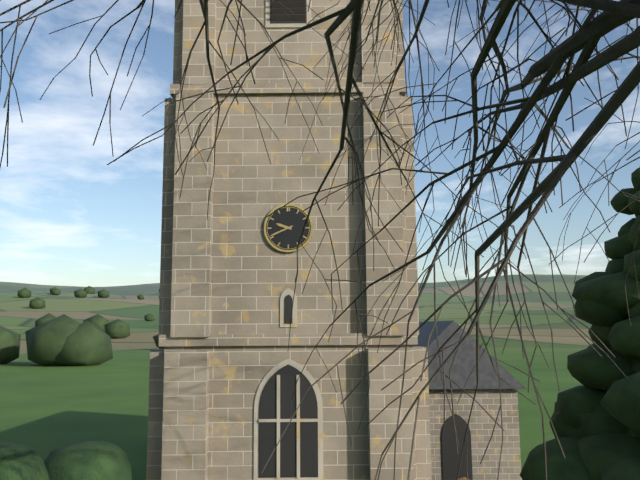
9:41
